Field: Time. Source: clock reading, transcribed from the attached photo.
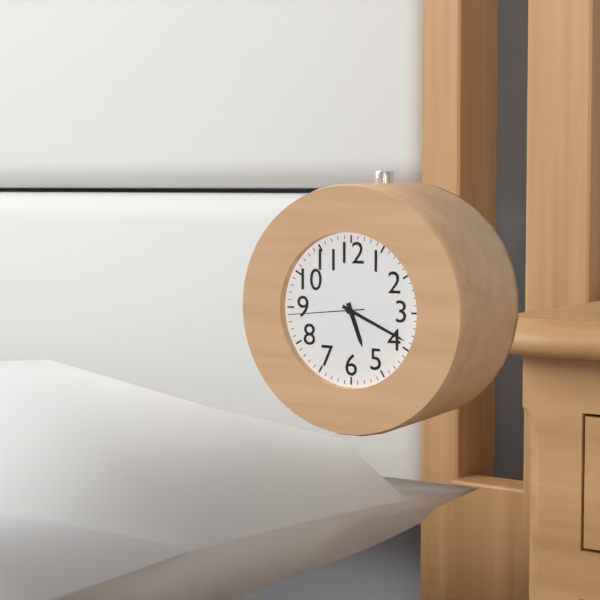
5:19:44
